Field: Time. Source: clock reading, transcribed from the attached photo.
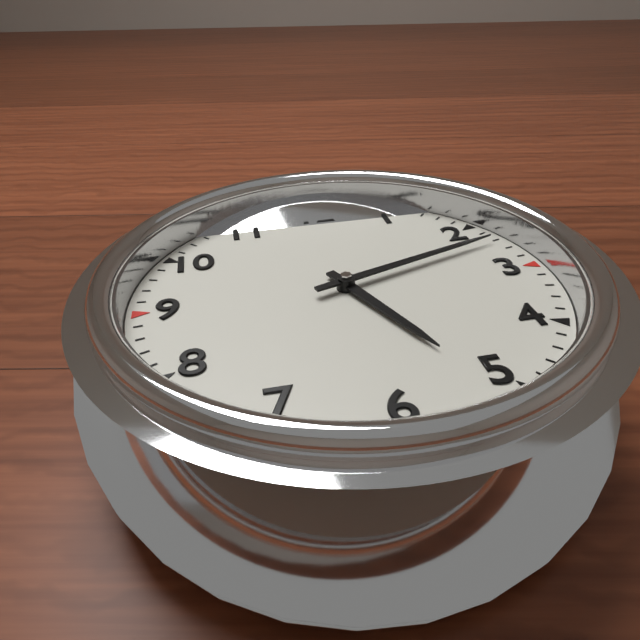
5:12
